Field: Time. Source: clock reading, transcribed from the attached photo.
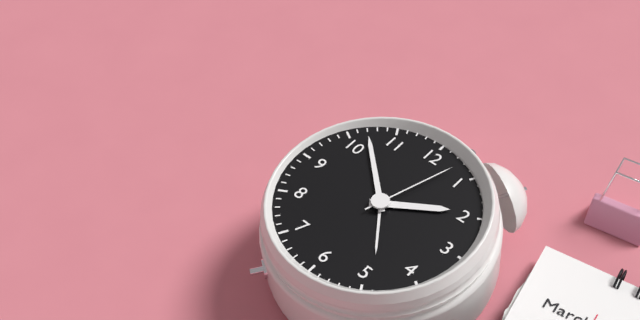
1:52:03
